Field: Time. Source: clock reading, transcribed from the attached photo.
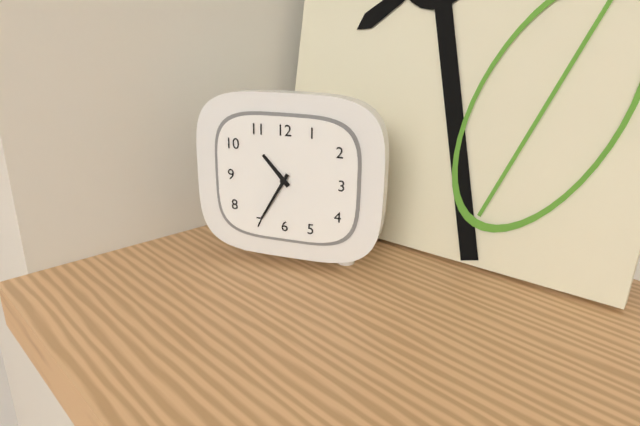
10:35
